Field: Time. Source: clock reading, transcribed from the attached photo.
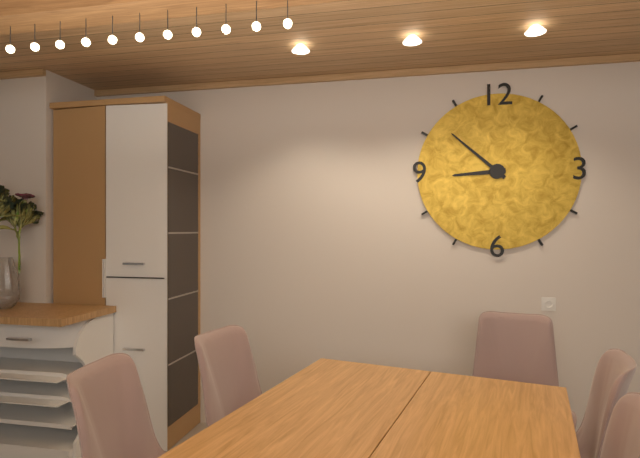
8:52
